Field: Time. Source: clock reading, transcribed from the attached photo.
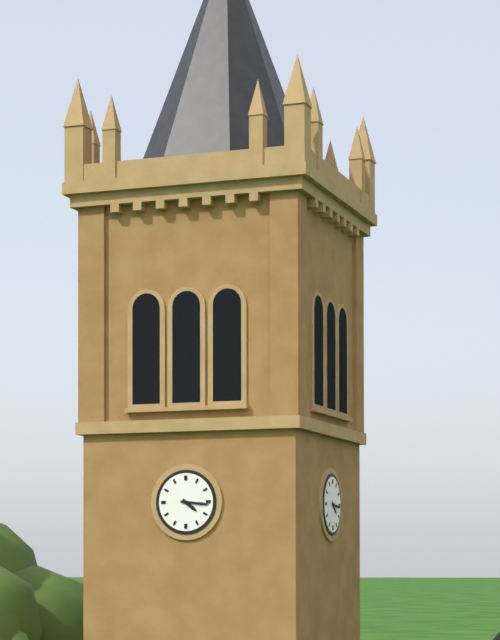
4:16
